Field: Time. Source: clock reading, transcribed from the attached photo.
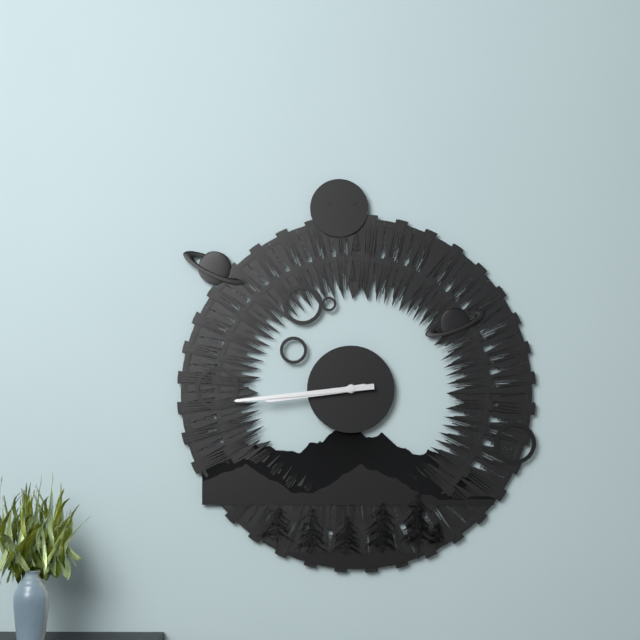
8:44
